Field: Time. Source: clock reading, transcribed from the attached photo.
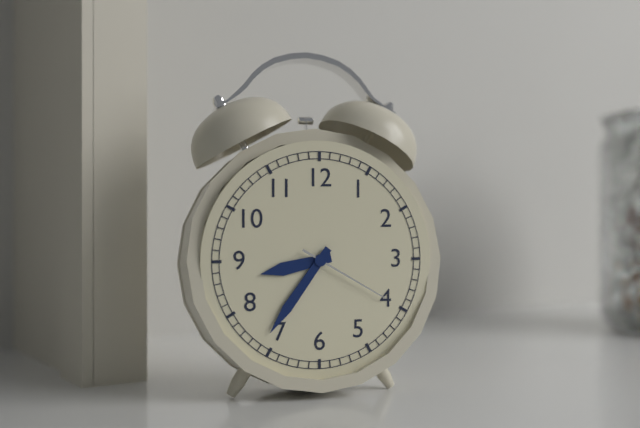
8:36:20
